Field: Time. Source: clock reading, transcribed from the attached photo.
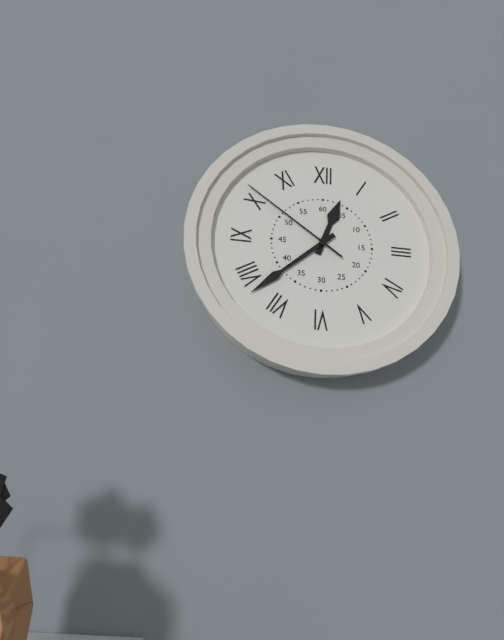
12:38:51
